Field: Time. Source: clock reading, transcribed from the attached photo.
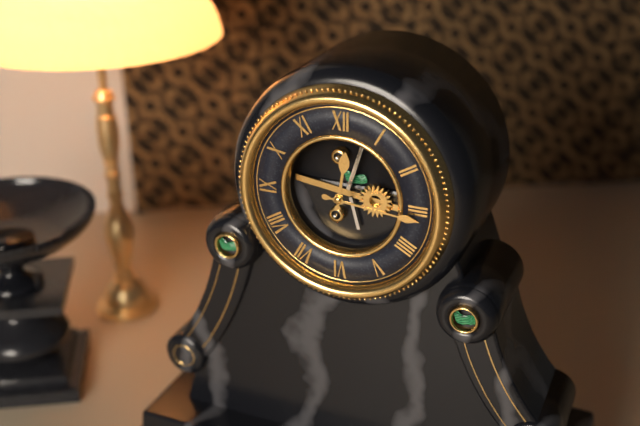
12:16
